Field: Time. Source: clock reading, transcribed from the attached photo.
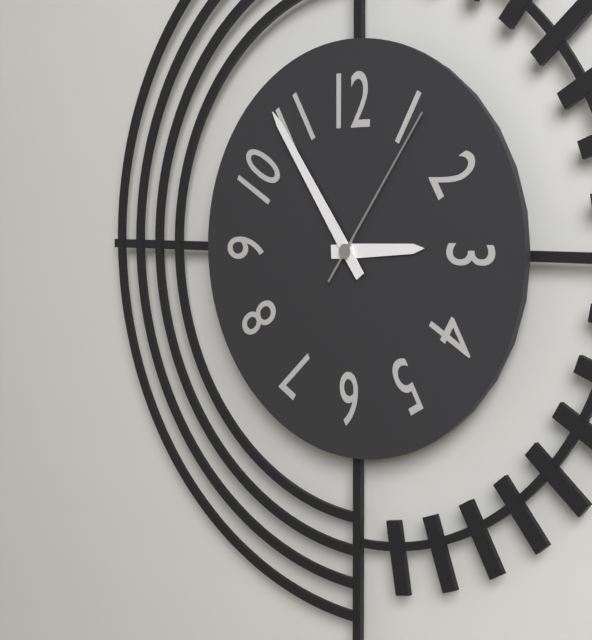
2:54:06
